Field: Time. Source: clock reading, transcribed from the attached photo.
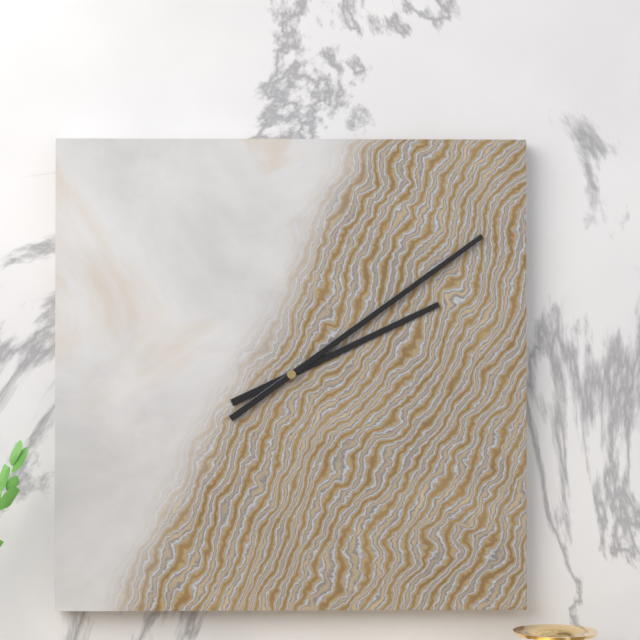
2:09
